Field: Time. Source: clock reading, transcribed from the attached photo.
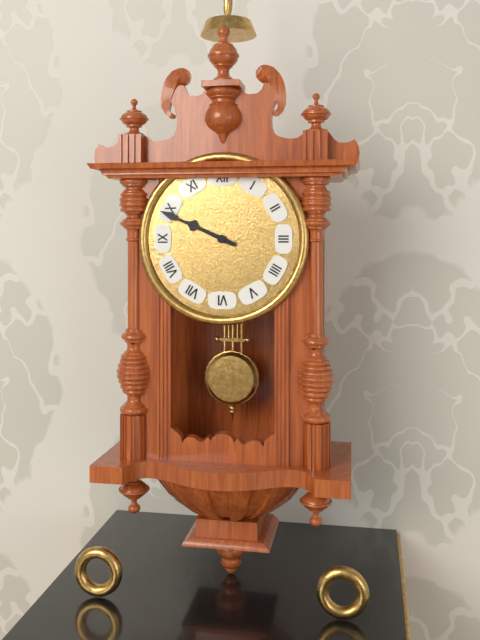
9:49
